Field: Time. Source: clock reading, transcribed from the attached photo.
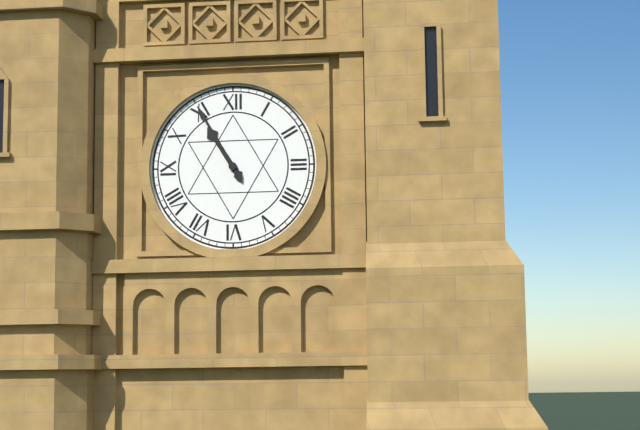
10:55
